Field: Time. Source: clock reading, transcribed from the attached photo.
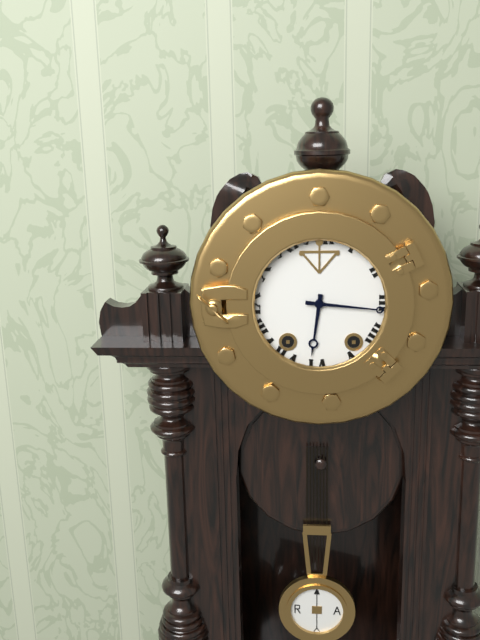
6:16
